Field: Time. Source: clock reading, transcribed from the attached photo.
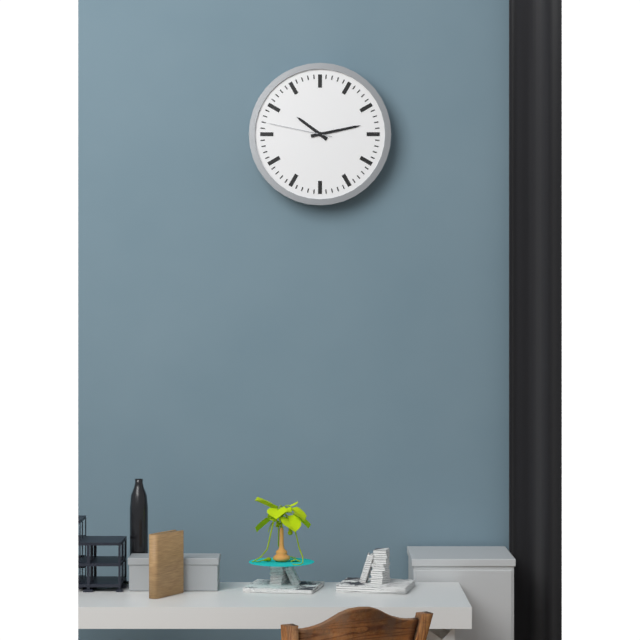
10:13:47
